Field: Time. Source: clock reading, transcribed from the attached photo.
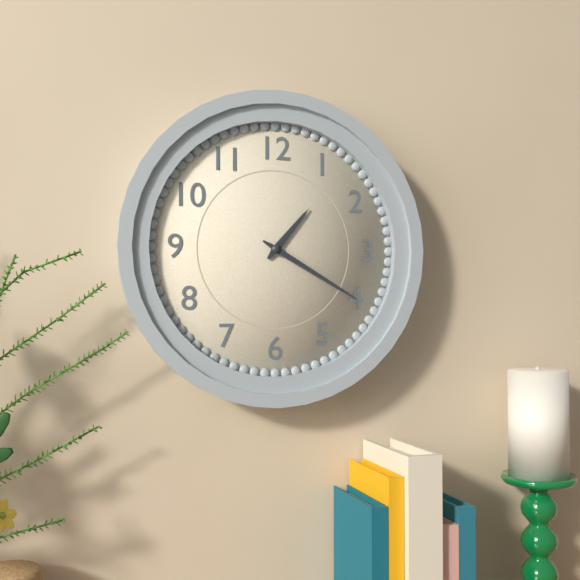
1:20
